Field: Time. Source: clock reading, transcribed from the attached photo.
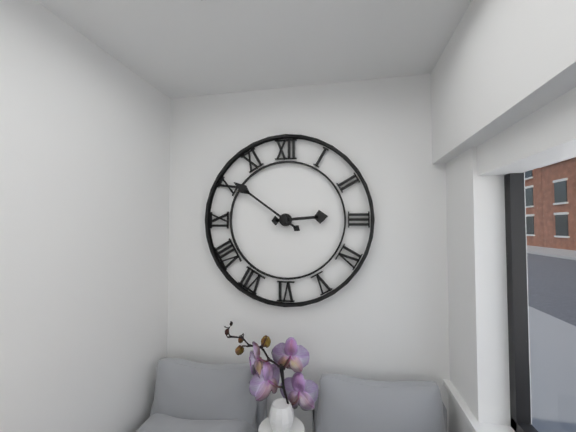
2:51
